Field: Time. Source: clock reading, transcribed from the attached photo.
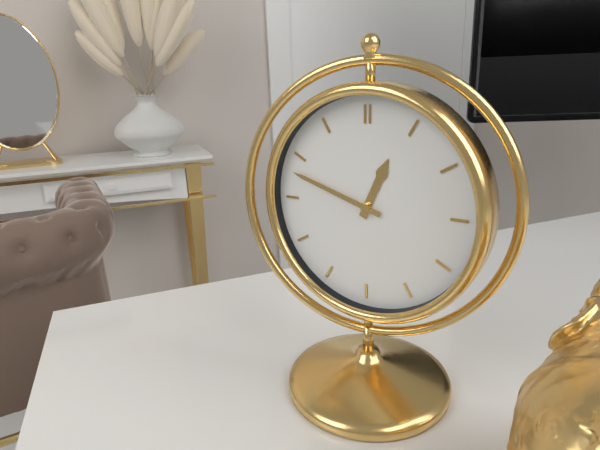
12:48
